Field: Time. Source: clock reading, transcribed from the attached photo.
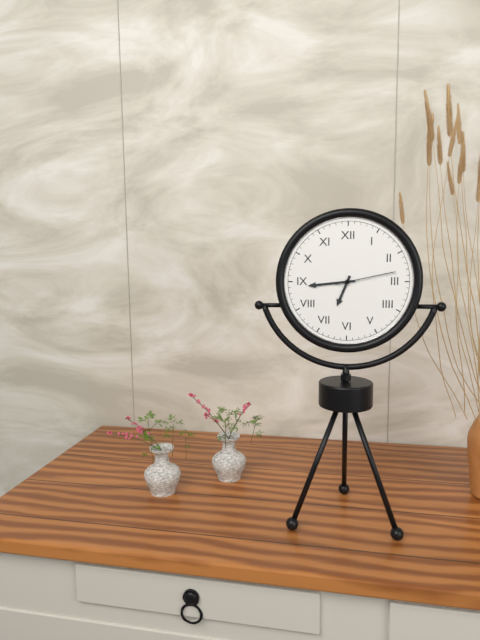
6:44:13
